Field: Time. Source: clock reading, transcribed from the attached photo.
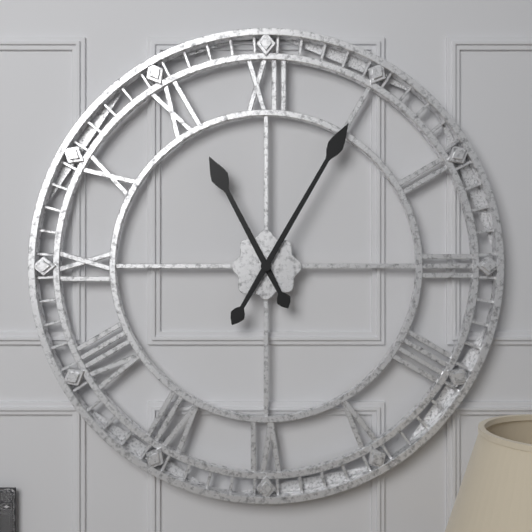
11:05
